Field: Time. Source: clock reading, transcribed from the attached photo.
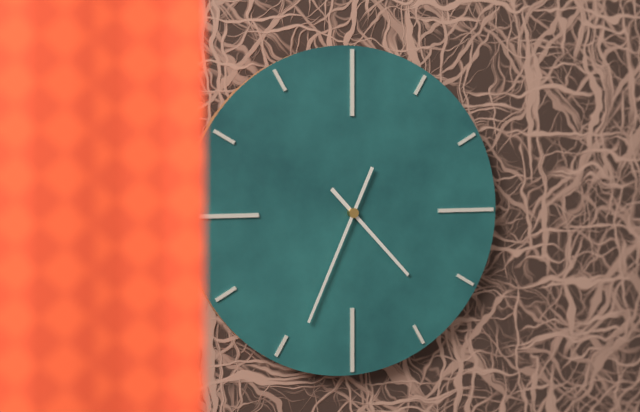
4:34
